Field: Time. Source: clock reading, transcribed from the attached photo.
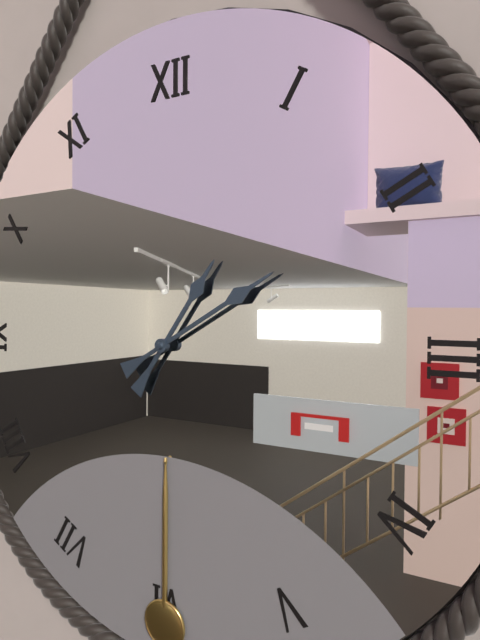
1:10
